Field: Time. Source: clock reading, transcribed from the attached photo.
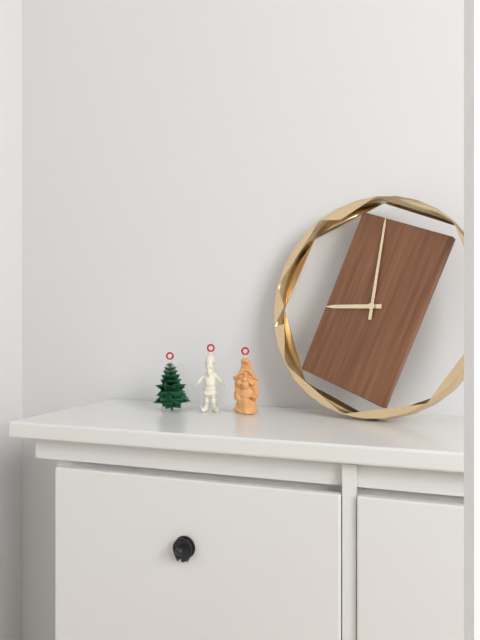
9:01
